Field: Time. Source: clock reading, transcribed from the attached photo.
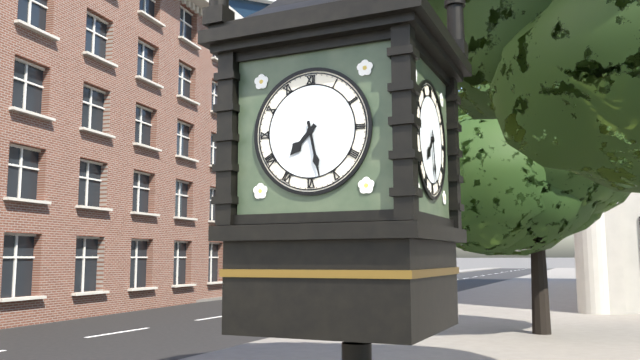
7:28
